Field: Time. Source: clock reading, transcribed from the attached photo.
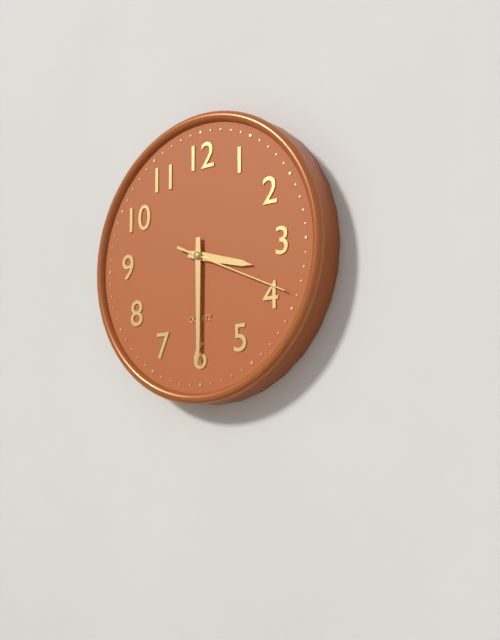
3:30:19
